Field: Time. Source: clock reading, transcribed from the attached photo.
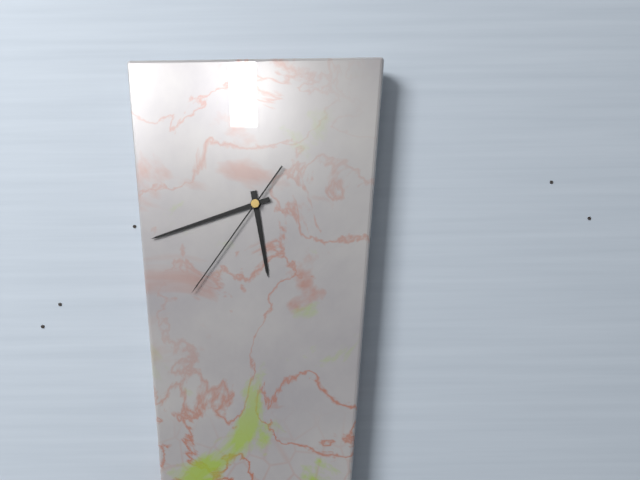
5:42:36
